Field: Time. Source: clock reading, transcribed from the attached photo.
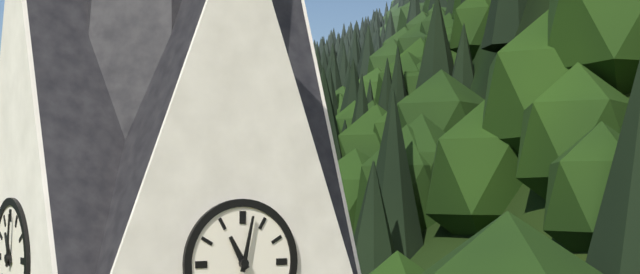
11:02
